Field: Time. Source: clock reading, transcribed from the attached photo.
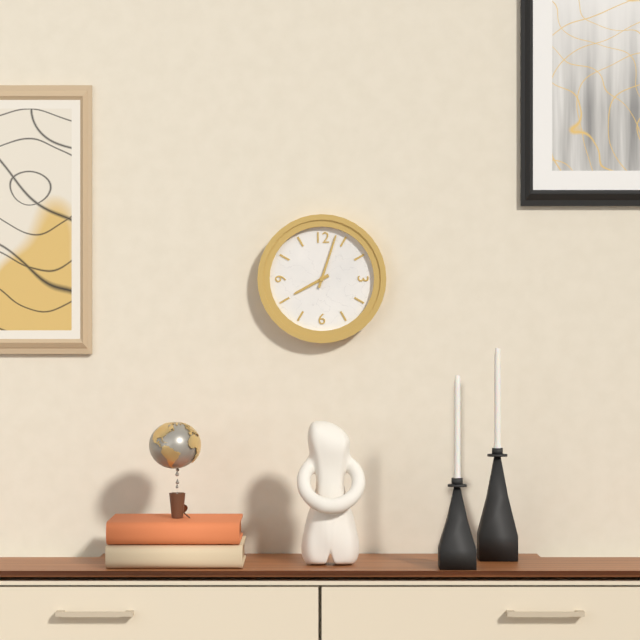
8:03
